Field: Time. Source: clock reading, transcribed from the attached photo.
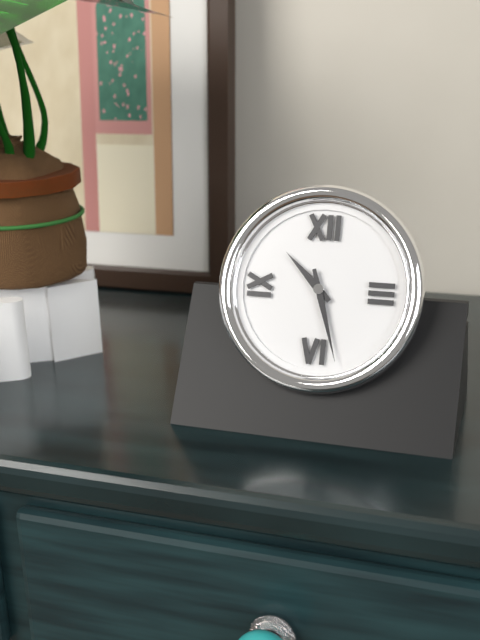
10:27
